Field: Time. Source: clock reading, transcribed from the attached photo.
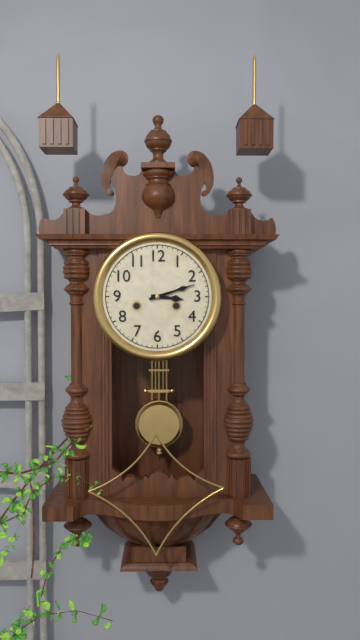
3:12
